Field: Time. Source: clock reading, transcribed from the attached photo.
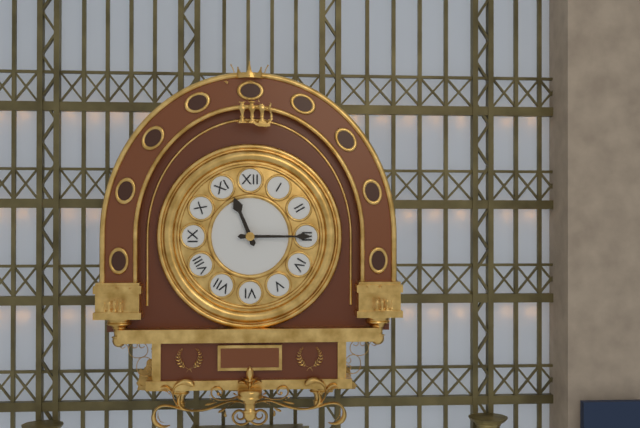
11:15
